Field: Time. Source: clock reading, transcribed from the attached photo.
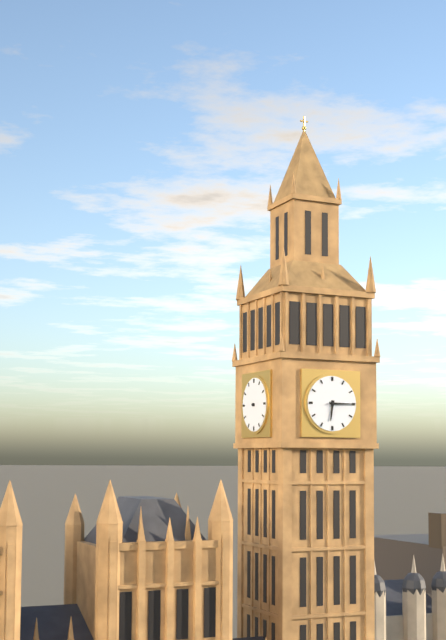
6:15
